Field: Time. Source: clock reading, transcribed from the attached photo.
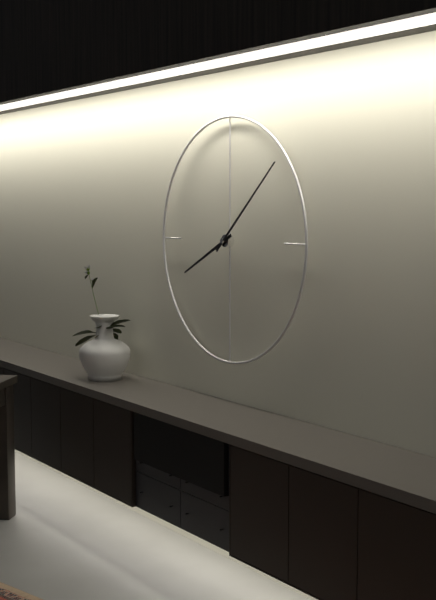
8:08
